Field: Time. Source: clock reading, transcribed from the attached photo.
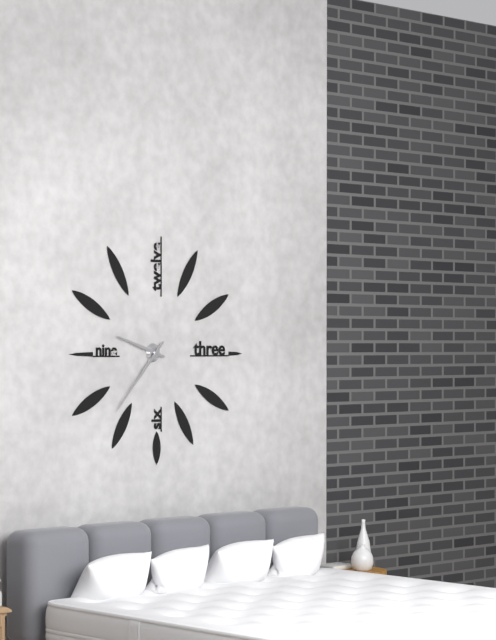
9:37
